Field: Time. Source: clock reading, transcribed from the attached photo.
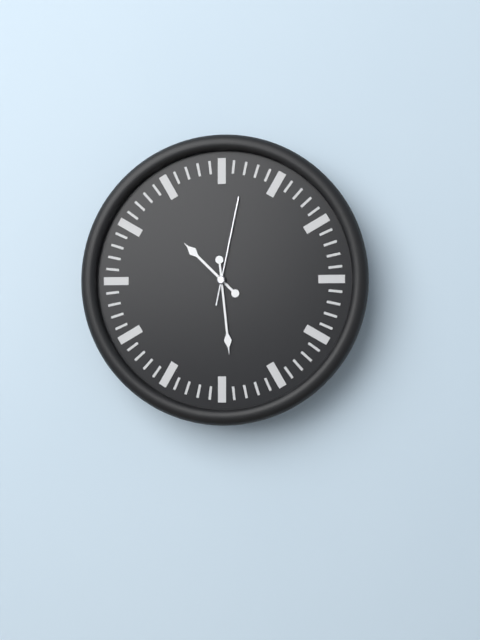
10:29:02
